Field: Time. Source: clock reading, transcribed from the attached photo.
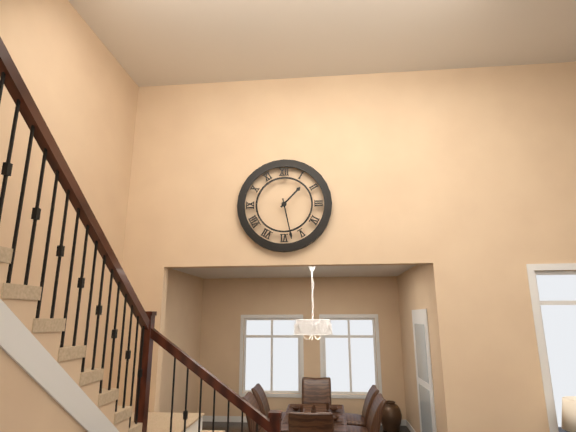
1:28
